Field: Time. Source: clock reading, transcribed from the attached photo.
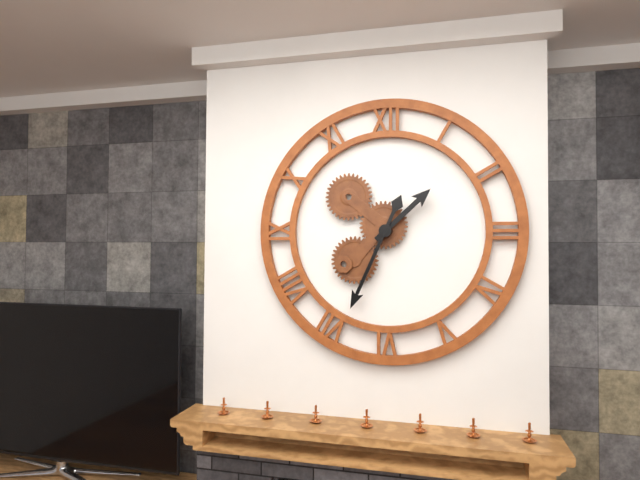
1:34
